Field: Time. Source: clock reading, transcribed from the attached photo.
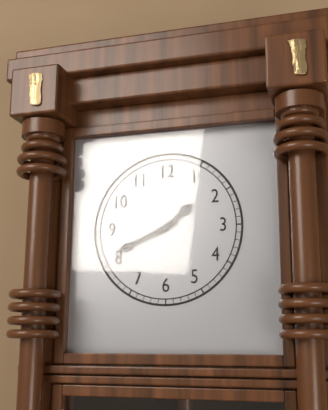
1:41
